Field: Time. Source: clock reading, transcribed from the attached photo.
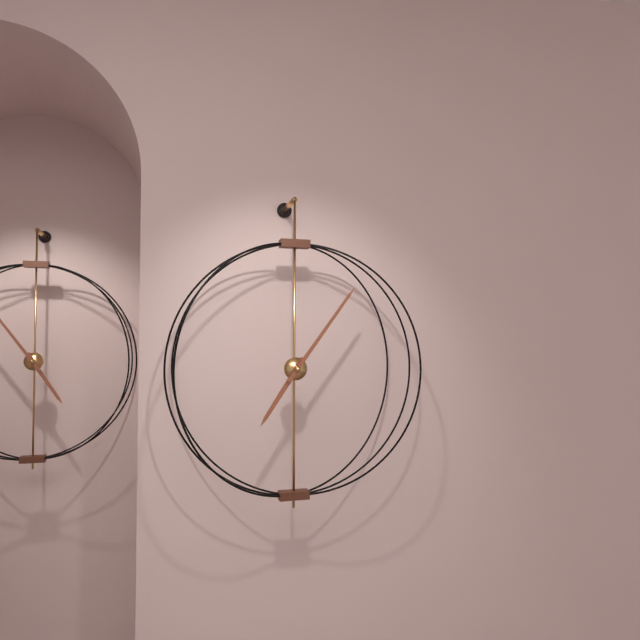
7:06
